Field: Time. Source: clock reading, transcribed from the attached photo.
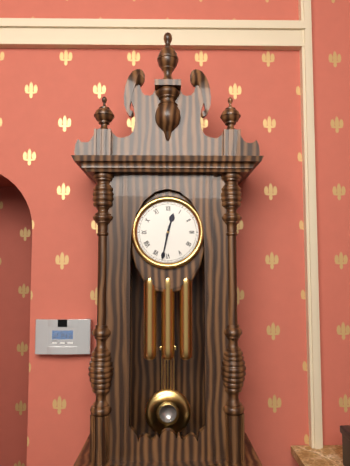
12:32
